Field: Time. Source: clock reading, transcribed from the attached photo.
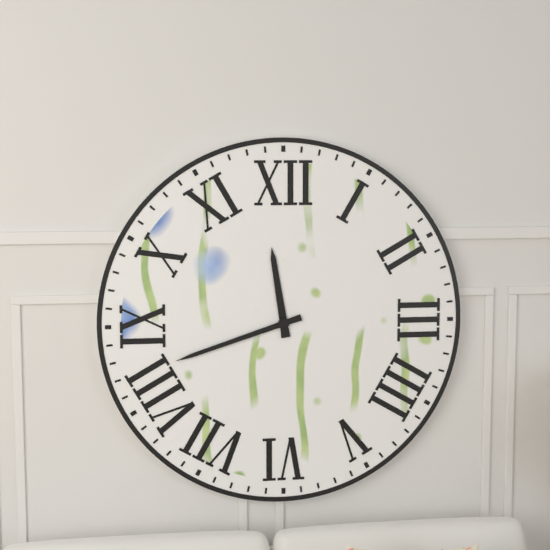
11:42
